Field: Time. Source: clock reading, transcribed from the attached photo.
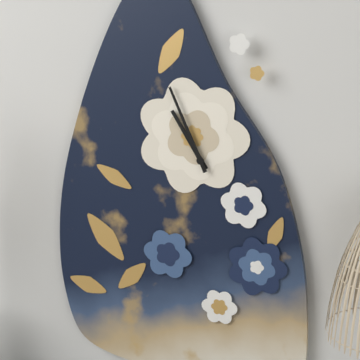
10:56
